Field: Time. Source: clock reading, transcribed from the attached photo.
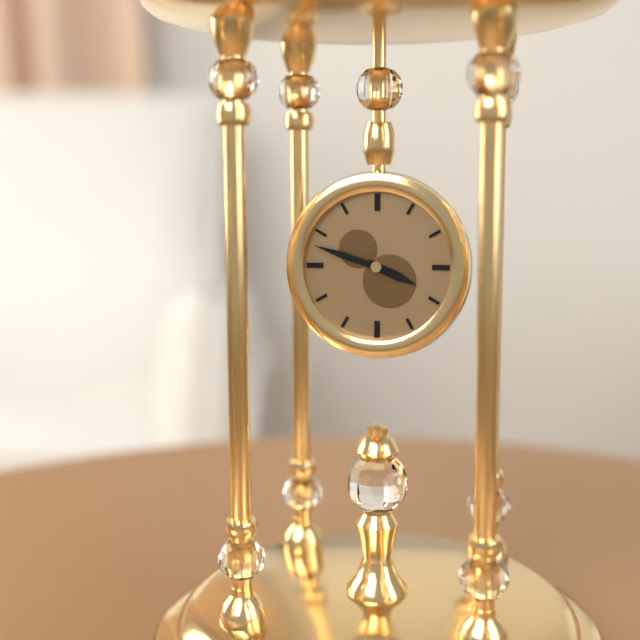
3:48
